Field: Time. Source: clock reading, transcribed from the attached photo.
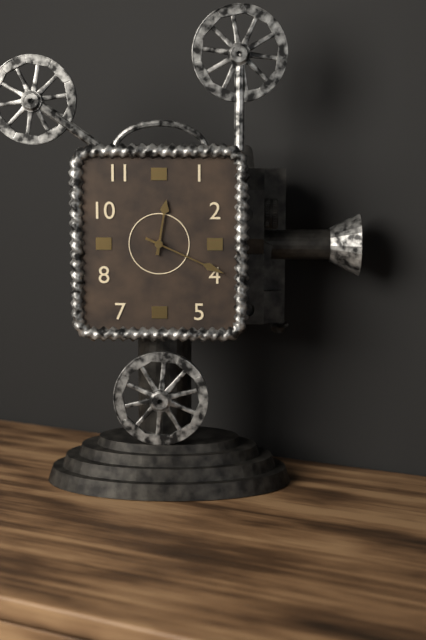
12:19
